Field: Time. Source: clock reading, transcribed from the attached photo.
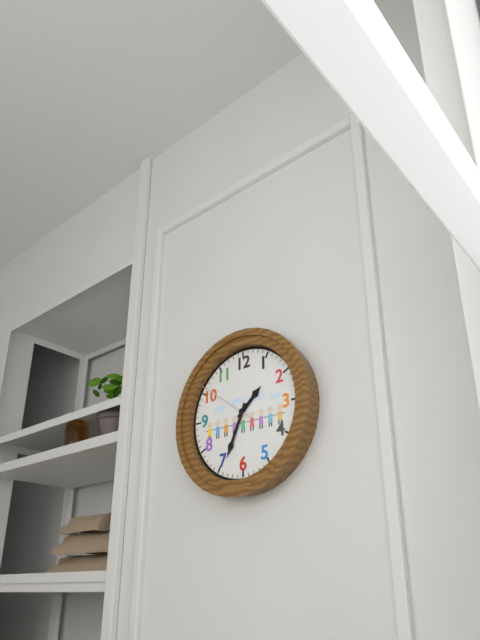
1:34:51
